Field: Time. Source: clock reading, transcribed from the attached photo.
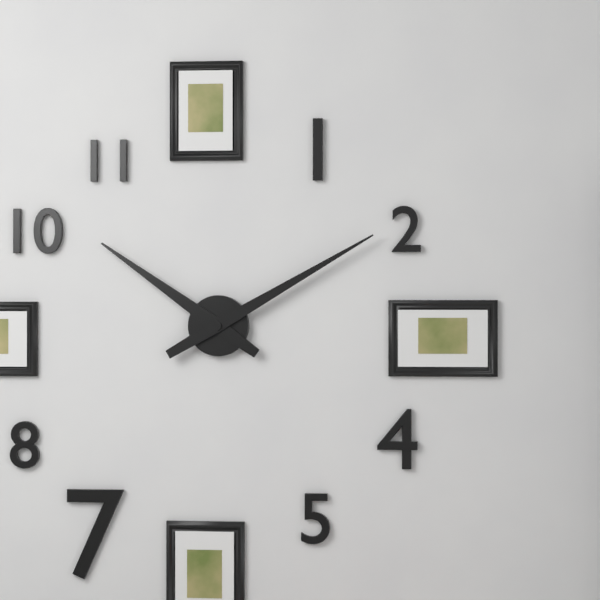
10:10
